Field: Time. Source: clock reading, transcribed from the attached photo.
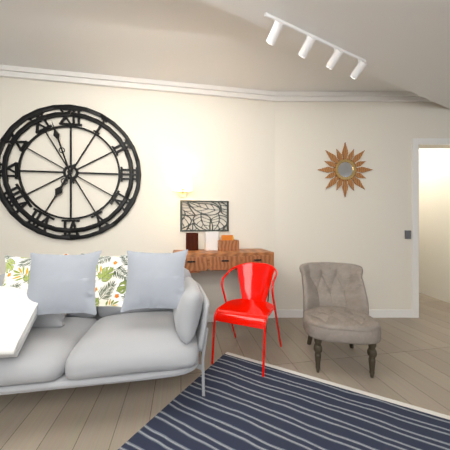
6:57
